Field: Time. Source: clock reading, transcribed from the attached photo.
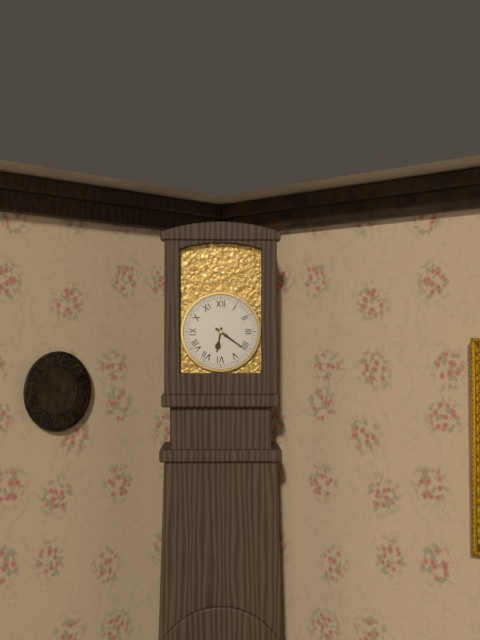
6:21
